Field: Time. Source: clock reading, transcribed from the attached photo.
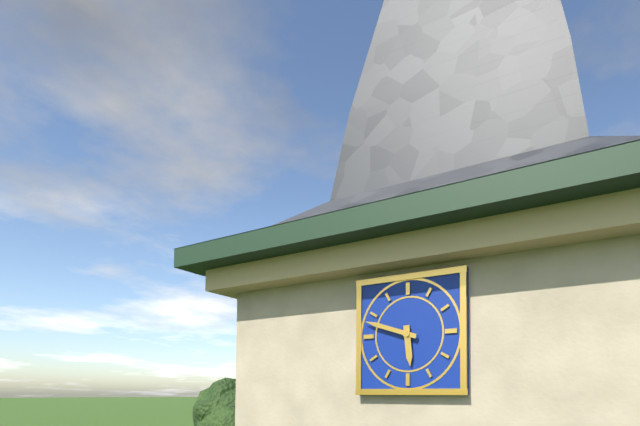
5:48
